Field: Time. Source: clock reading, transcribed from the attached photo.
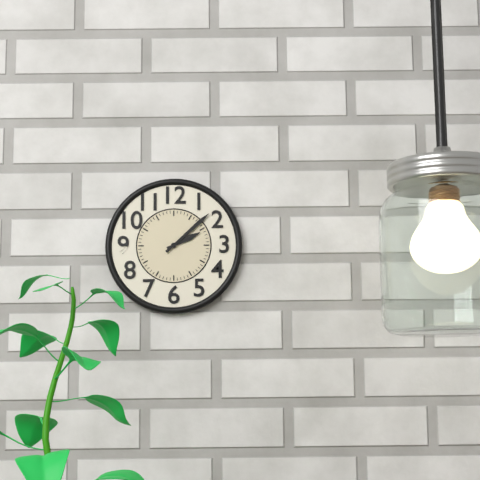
2:08
